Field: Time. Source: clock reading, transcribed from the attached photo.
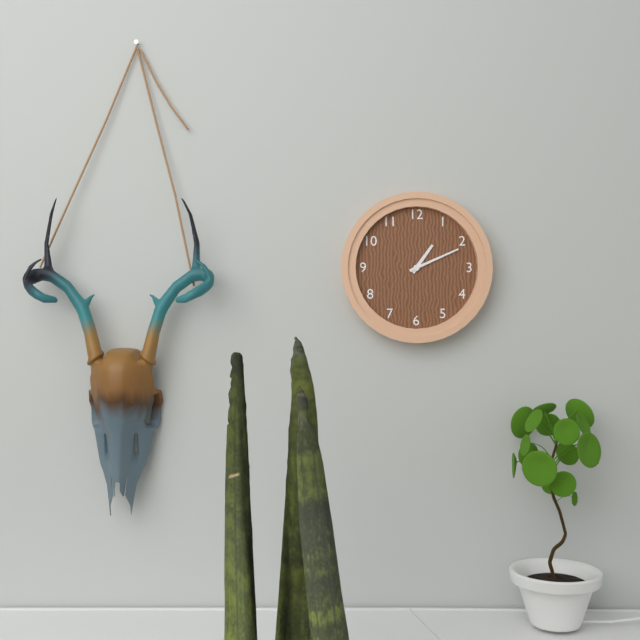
1:11
